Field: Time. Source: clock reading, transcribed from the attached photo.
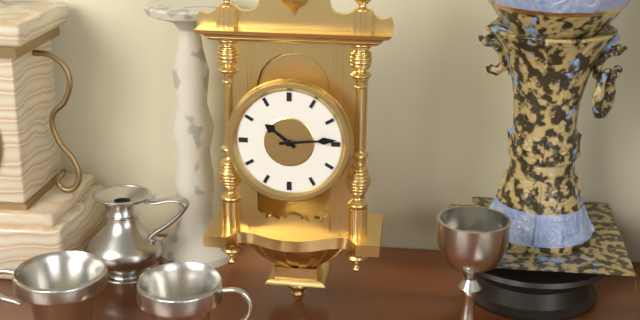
10:14
